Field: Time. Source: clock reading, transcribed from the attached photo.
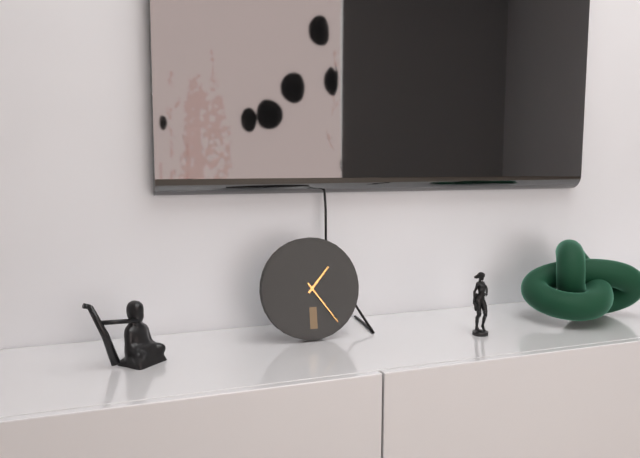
1:24
